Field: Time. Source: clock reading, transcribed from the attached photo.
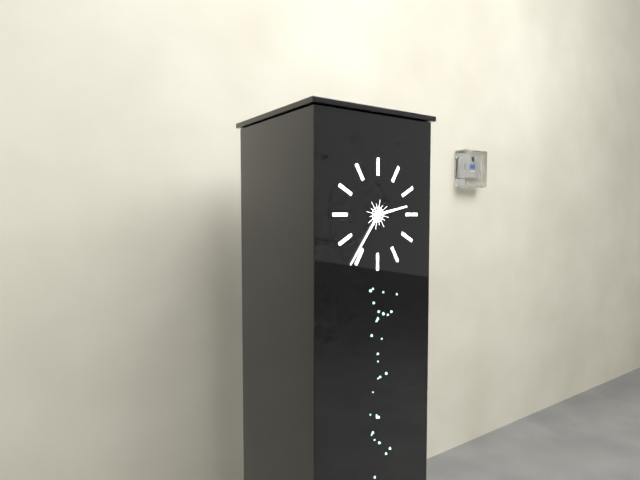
2:36
